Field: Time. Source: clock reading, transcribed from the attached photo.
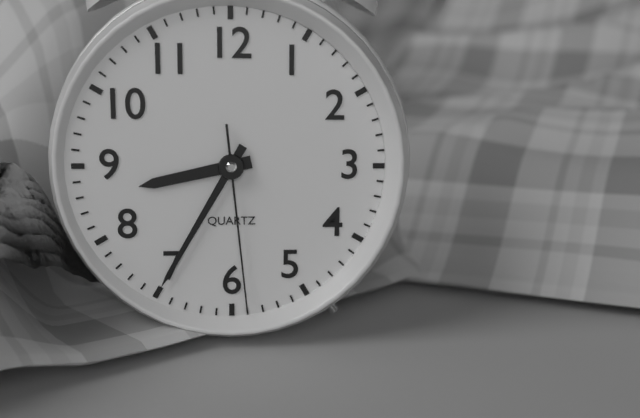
8:35:29
